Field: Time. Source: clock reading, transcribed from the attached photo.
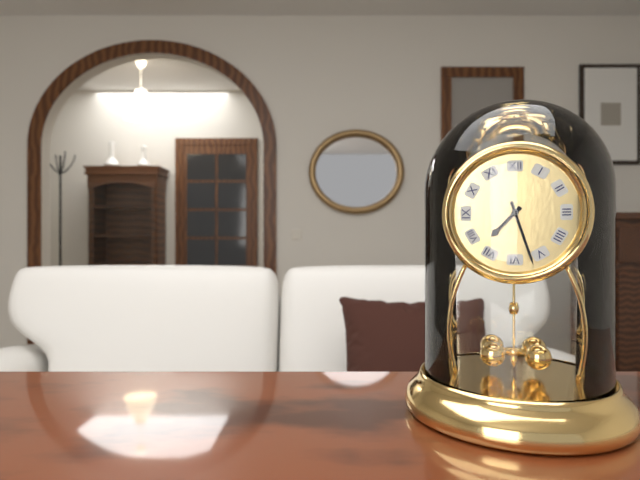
7:27
